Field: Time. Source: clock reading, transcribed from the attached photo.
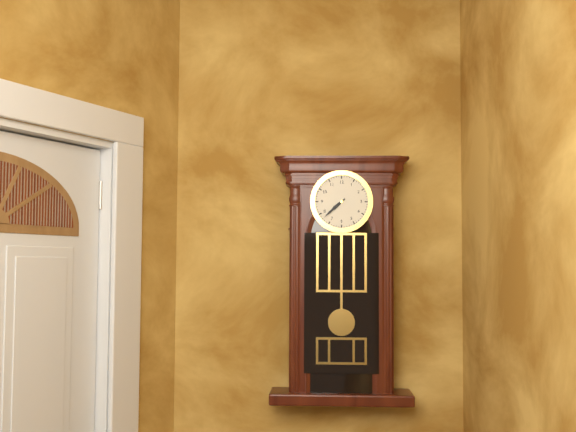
7:38
